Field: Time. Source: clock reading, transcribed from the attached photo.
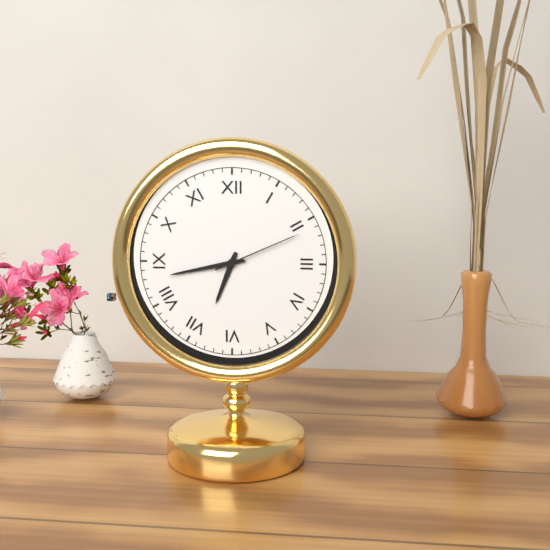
6:43:11
